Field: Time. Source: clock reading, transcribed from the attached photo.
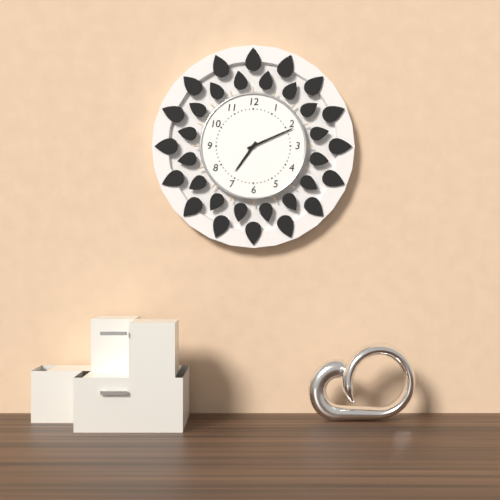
7:11
